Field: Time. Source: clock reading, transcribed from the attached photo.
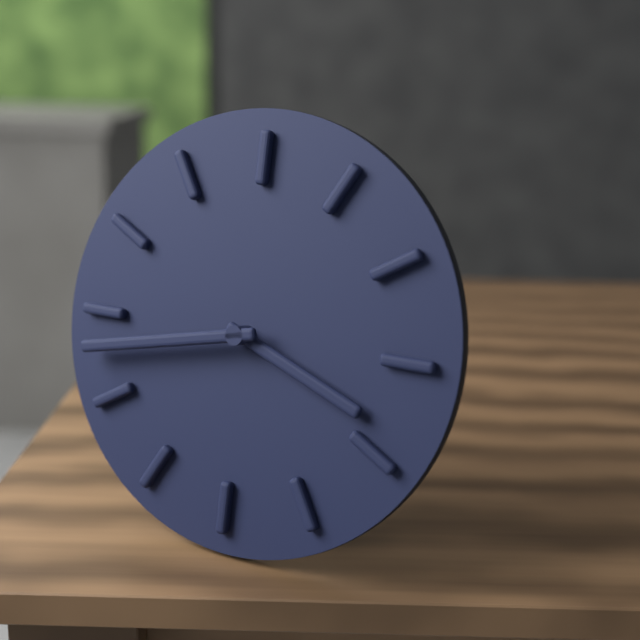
3:43
